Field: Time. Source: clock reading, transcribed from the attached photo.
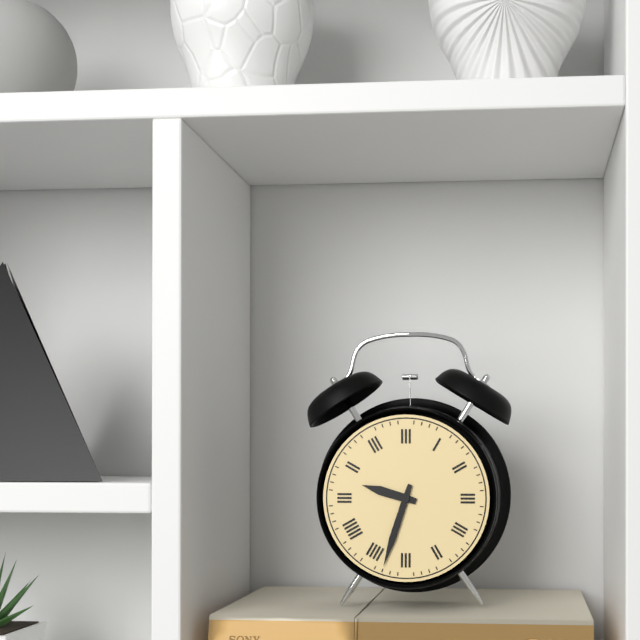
9:33
